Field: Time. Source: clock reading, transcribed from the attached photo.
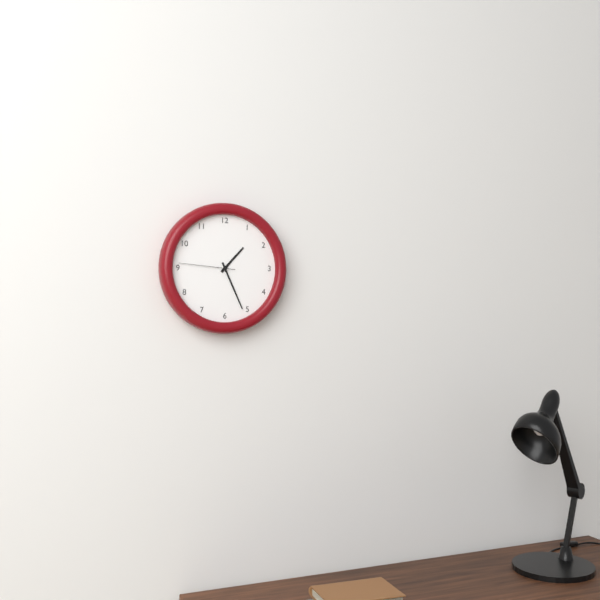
1:26:46
